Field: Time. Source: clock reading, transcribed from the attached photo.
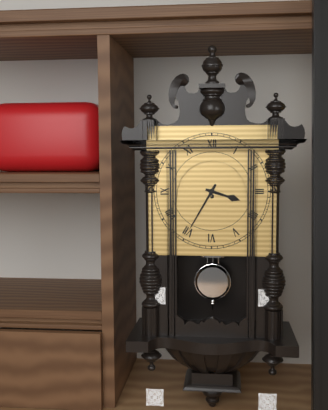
3:35
